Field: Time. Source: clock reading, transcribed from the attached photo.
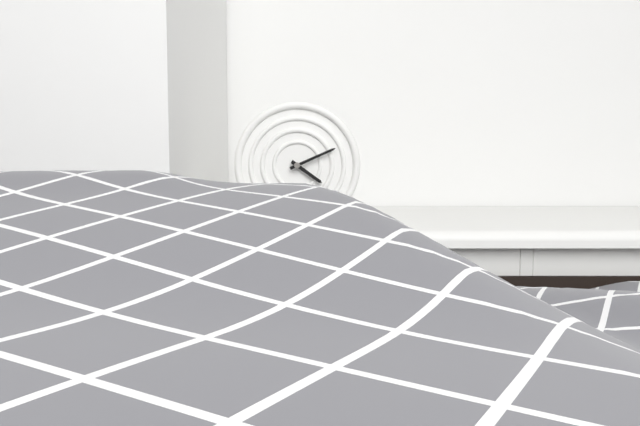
4:11
